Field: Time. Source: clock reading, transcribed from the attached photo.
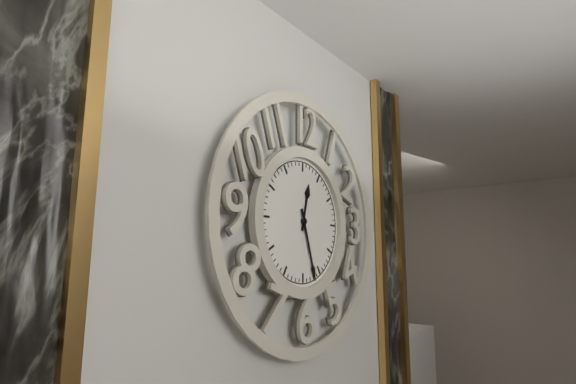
12:27
